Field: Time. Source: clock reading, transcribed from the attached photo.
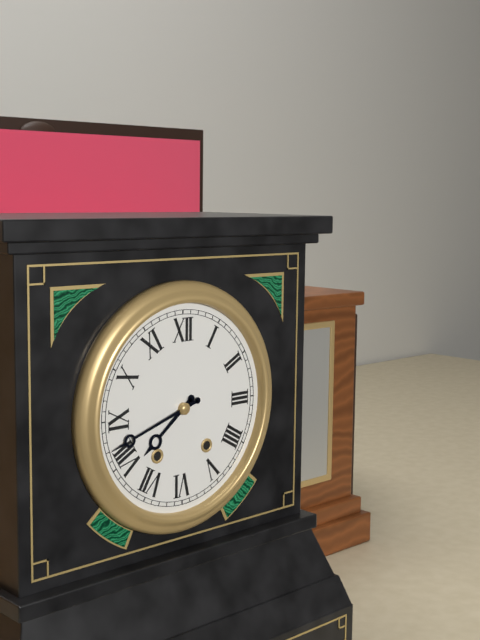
7:42
